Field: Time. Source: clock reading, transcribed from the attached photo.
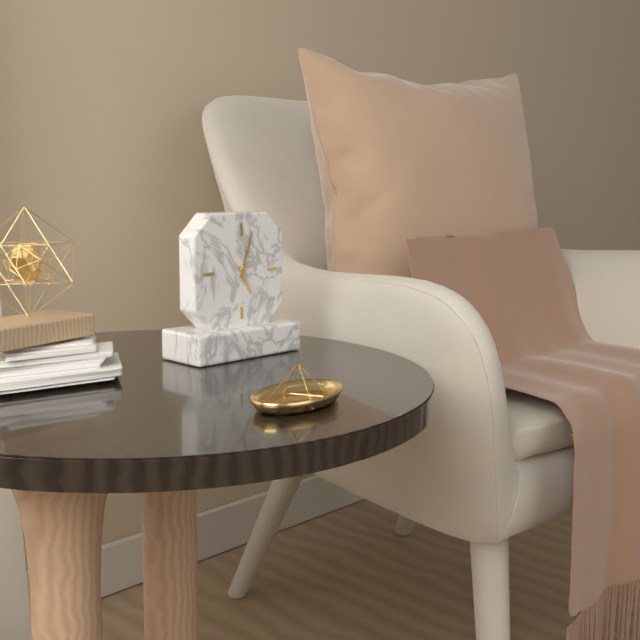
5:03
